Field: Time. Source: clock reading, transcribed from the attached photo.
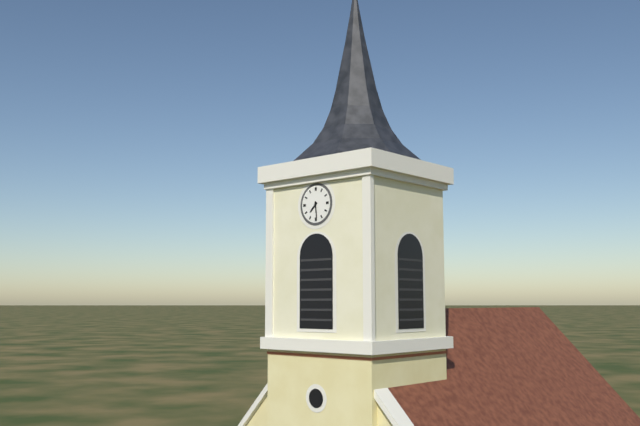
7:29
